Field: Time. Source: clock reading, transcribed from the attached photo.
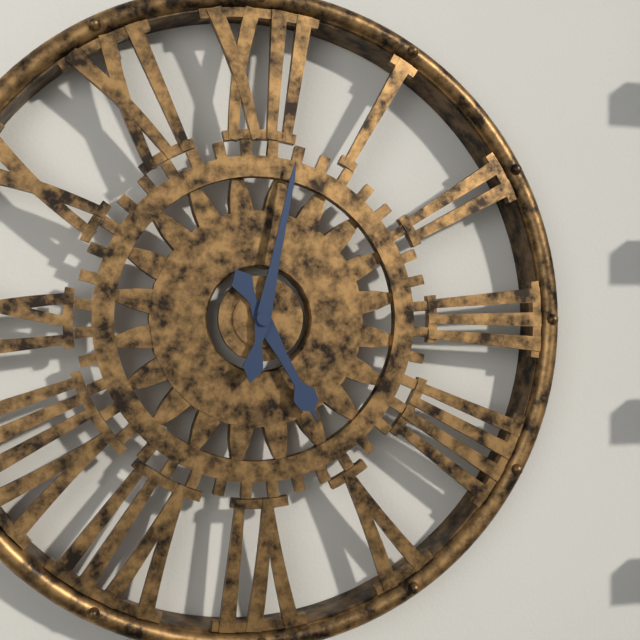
5:02
